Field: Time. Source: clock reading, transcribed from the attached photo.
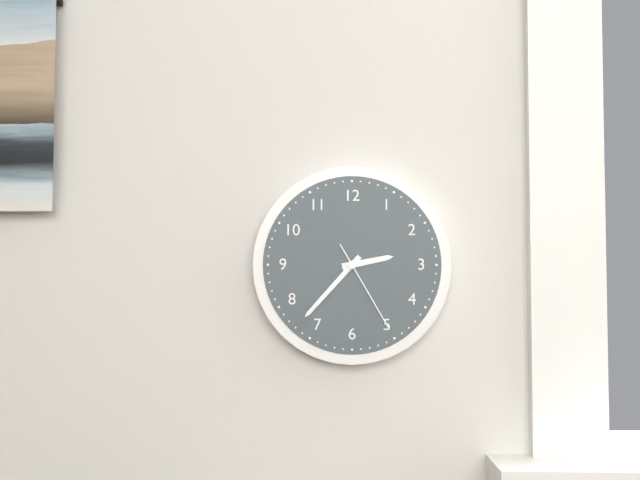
2:37:25
